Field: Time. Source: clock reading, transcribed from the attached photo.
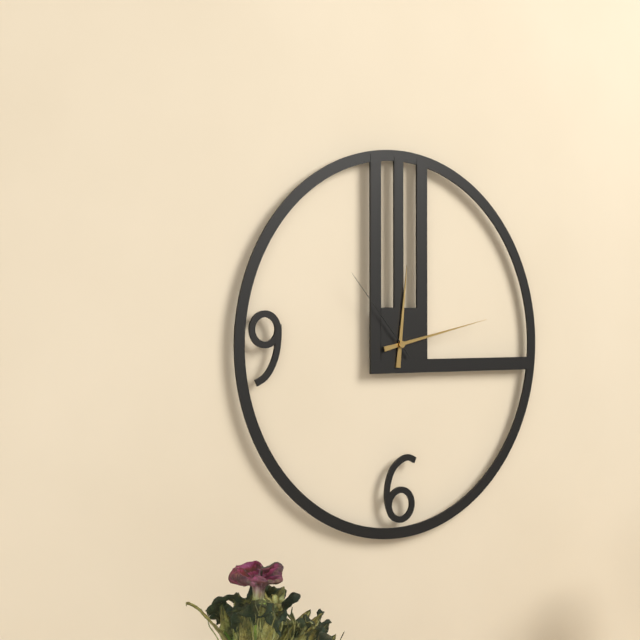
12:13:53
